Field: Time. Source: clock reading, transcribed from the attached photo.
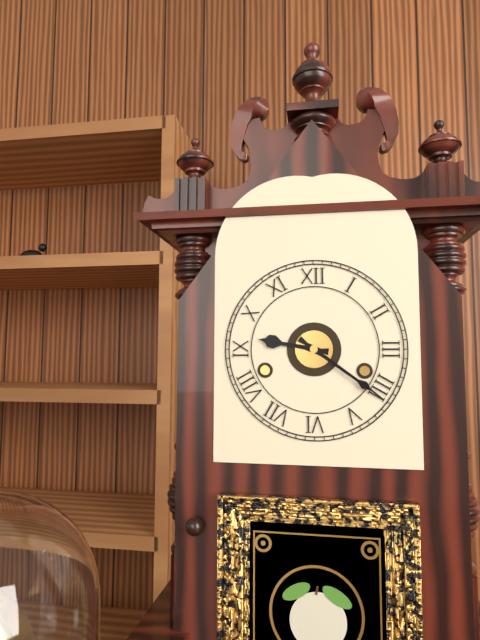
9:21
